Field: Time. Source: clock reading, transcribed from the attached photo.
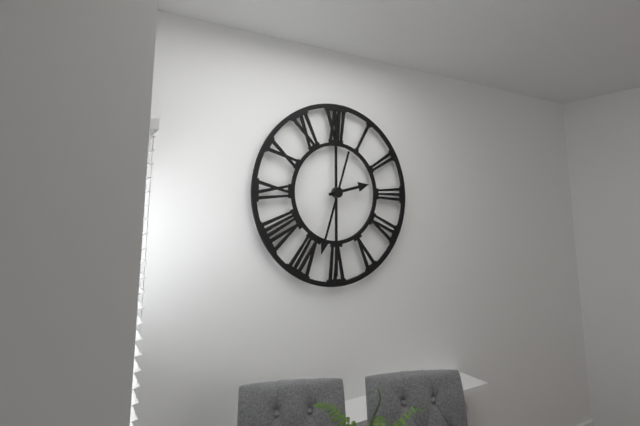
2:33
